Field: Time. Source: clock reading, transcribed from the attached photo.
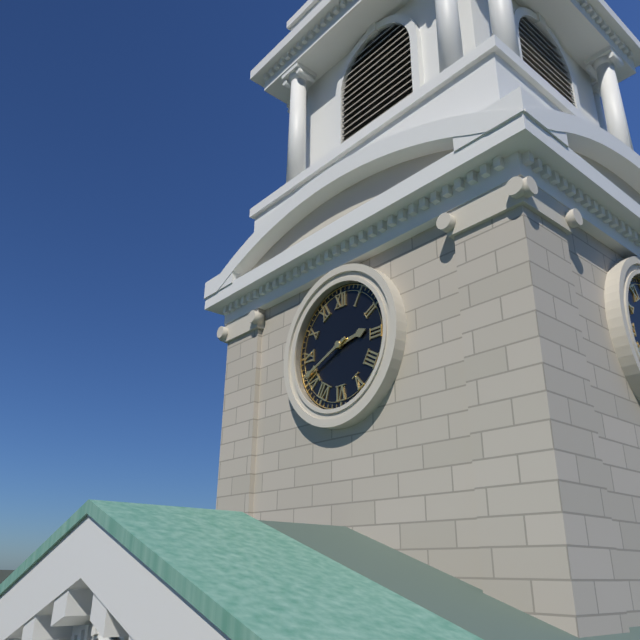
2:41
